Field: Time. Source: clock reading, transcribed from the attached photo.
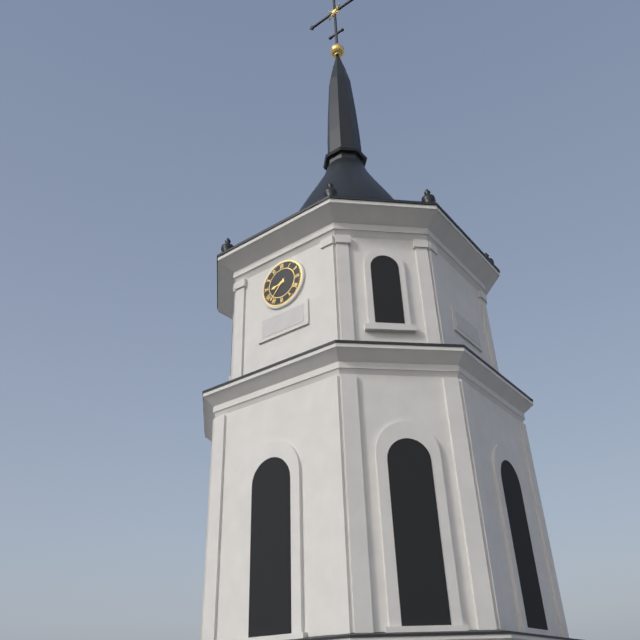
8:37
